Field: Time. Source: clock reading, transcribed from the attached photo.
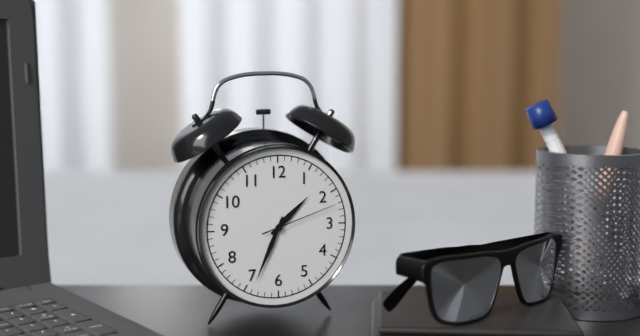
1:34:12
